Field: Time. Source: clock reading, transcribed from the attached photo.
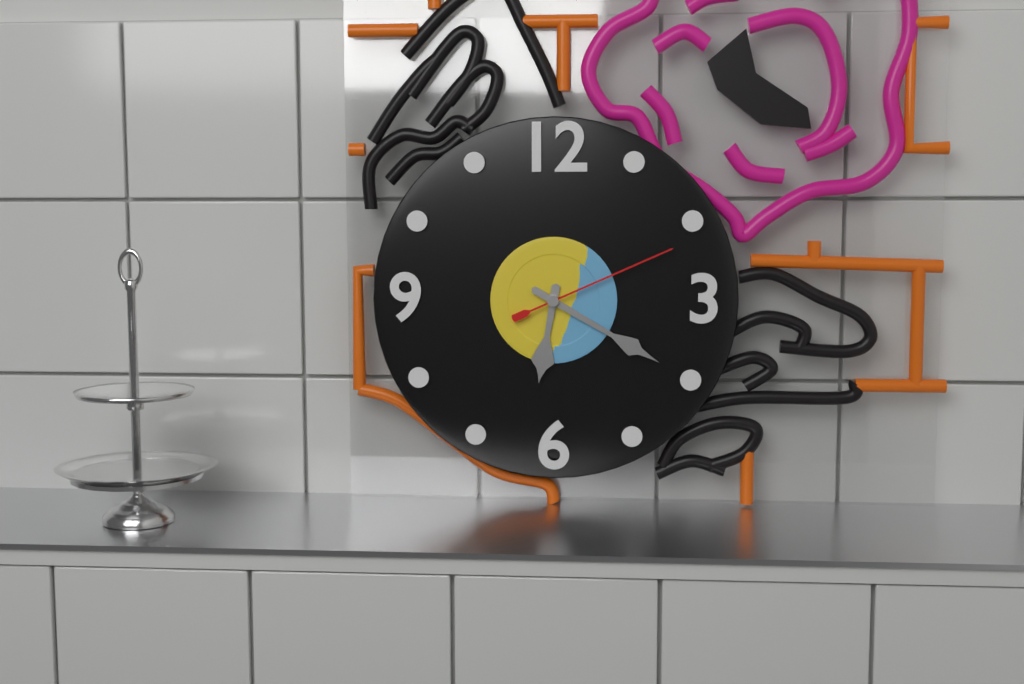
6:20:11
